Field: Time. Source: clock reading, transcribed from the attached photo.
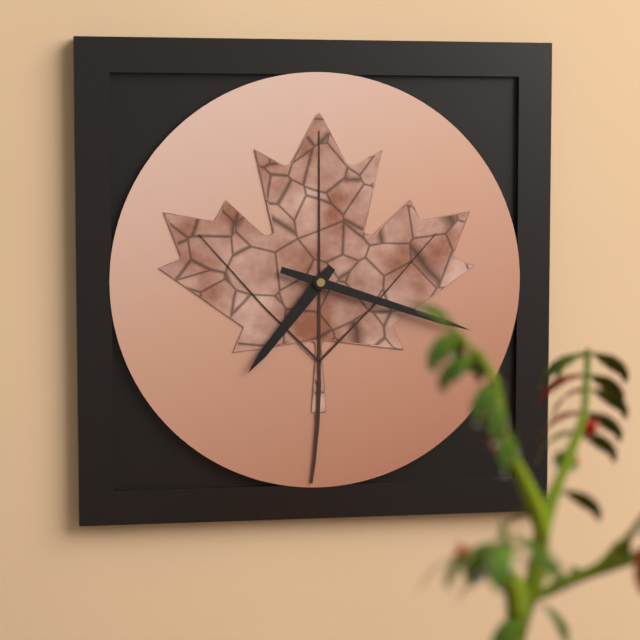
7:18
